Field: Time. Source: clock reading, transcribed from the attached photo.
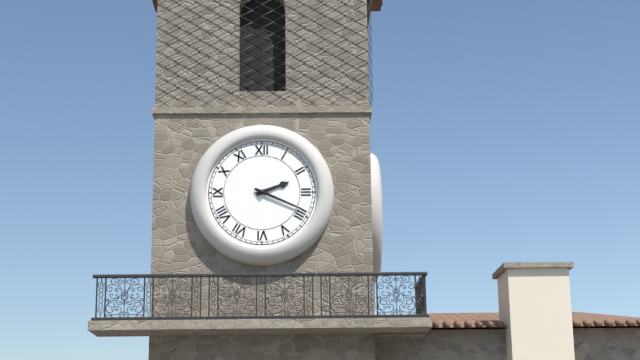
2:19
